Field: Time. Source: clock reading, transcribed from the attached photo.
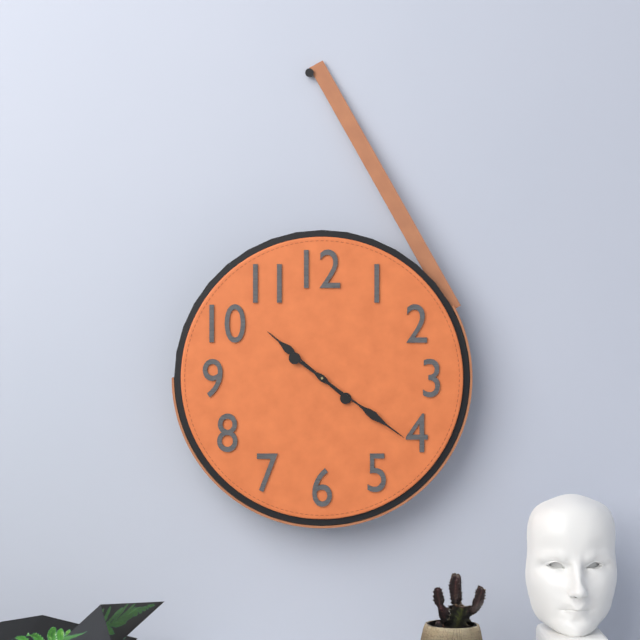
10:21
